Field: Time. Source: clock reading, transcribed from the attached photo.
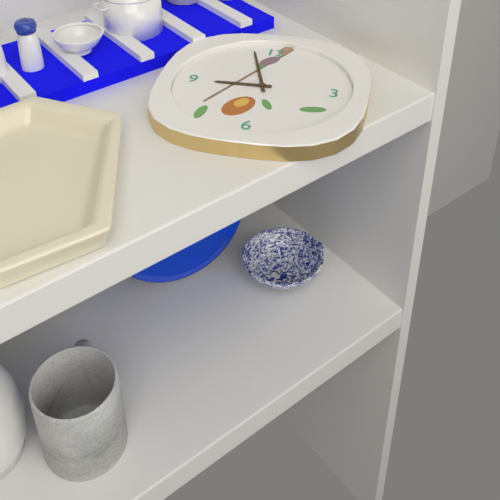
8:57
